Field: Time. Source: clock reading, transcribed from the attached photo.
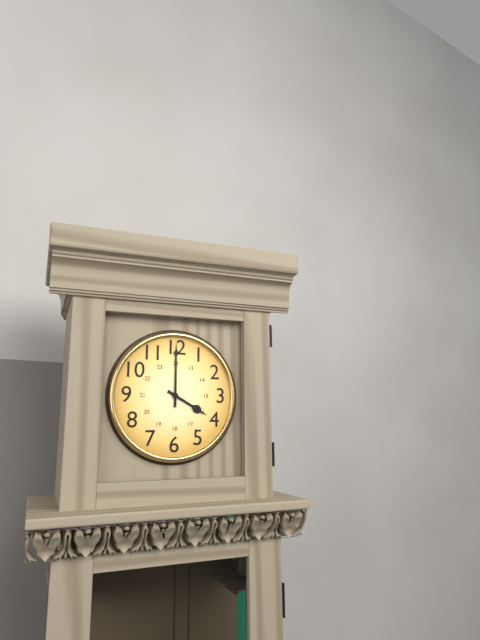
4:00
